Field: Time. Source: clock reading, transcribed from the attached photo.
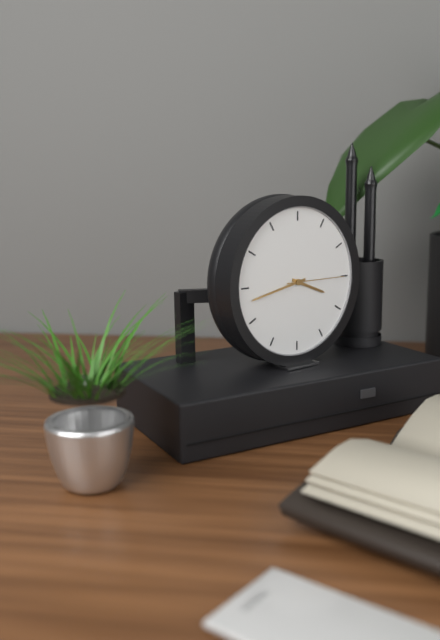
3:43:15
